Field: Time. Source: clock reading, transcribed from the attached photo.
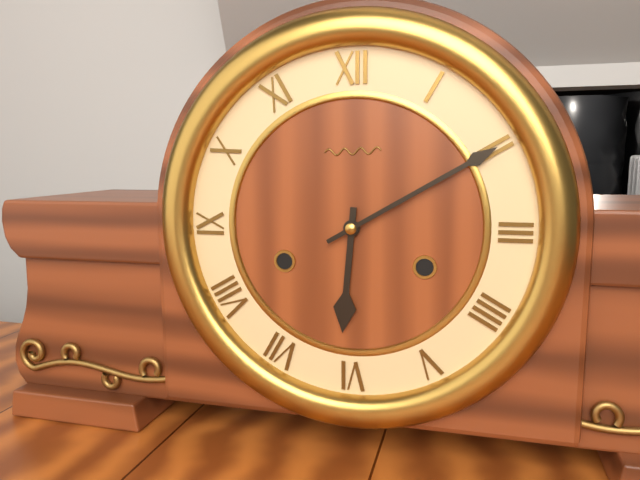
6:10
